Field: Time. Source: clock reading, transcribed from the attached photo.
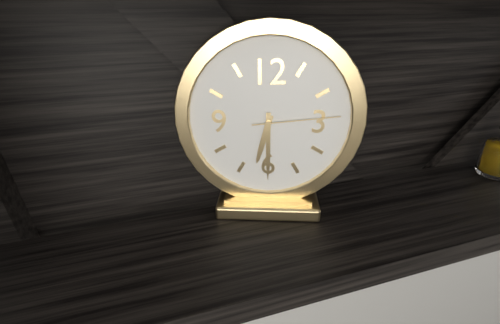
6:30:14
